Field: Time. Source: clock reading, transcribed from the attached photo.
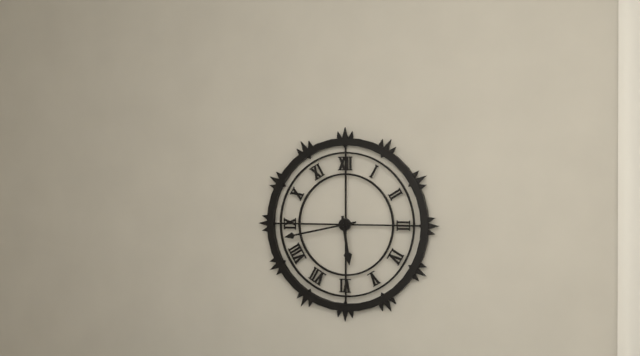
5:43
